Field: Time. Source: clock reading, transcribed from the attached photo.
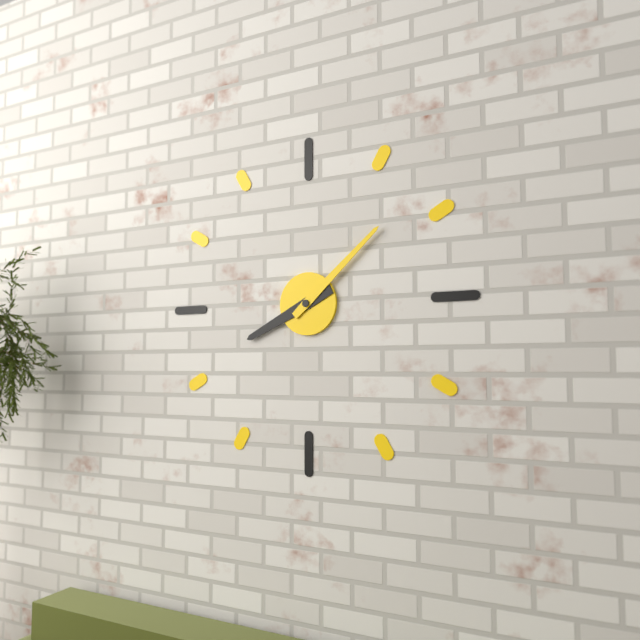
8:08
